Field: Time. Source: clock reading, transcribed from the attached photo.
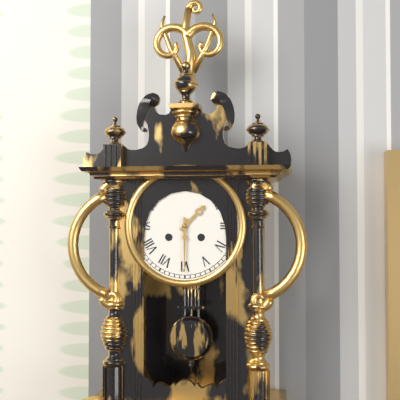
1:30
